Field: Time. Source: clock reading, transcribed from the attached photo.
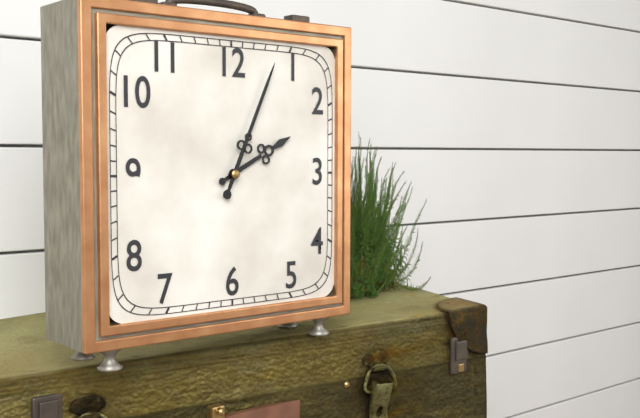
2:04
